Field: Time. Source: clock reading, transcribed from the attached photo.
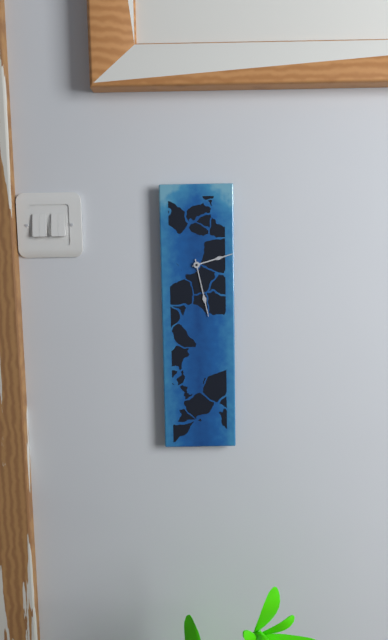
2:28
